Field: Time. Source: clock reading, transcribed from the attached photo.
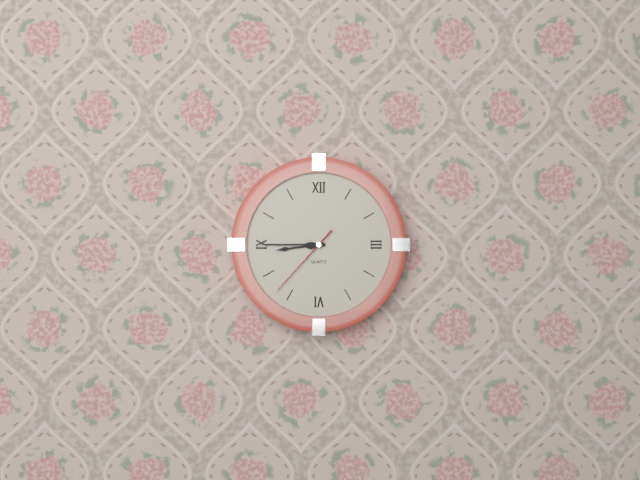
8:45:37
